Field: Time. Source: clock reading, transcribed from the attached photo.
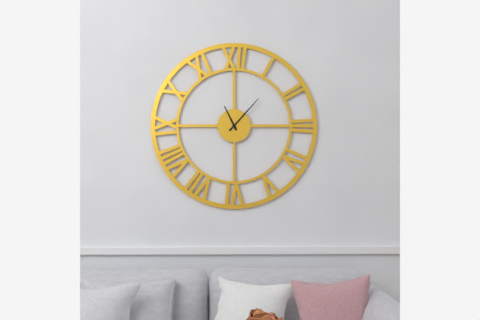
11:07
